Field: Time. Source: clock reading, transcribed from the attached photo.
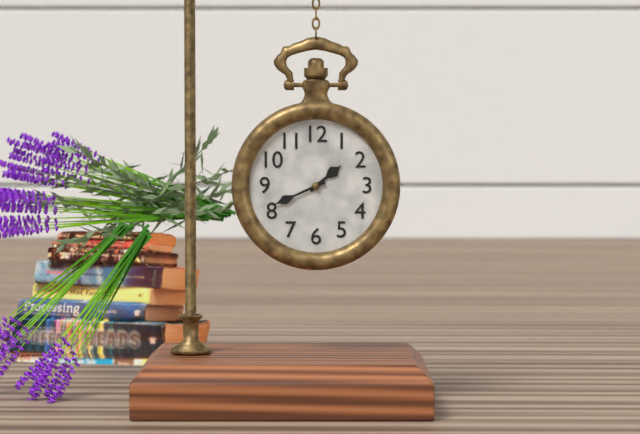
1:41
